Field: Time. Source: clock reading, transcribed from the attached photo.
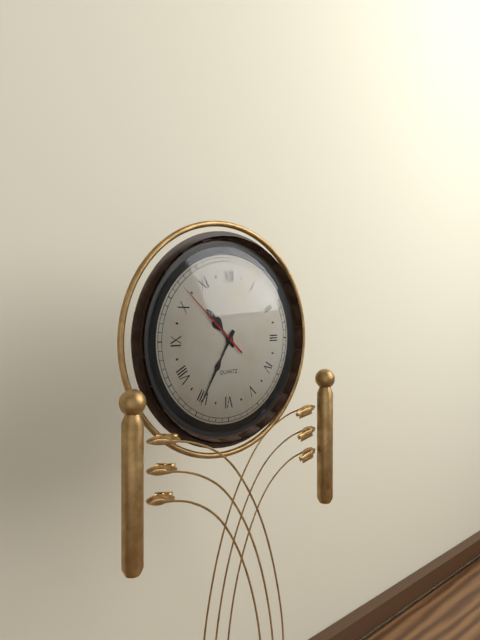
10:35:52
